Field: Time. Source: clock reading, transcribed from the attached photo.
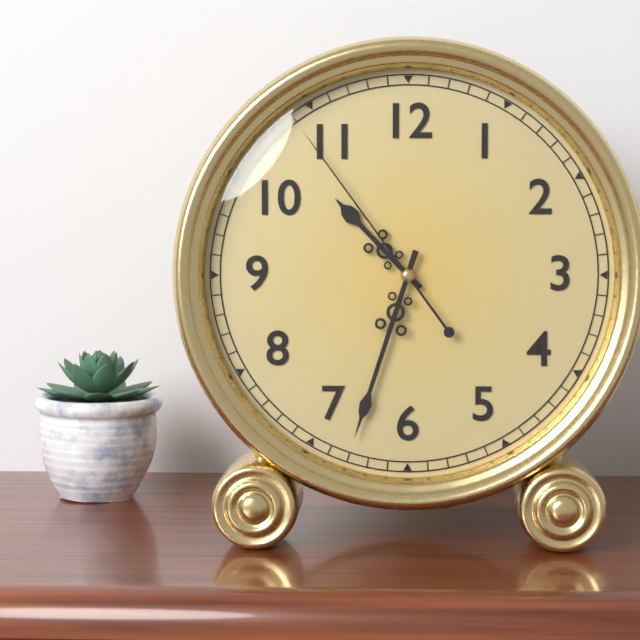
10:33:54
